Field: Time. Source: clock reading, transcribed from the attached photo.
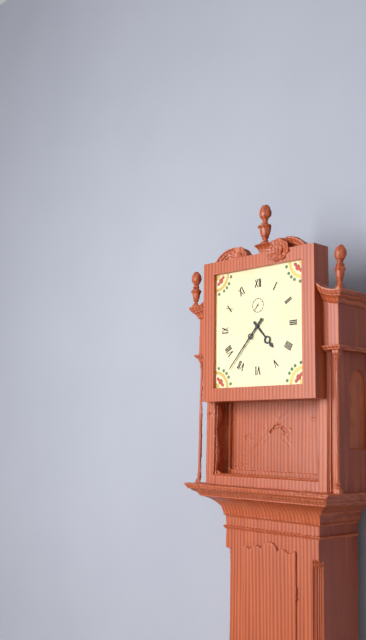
4:37
